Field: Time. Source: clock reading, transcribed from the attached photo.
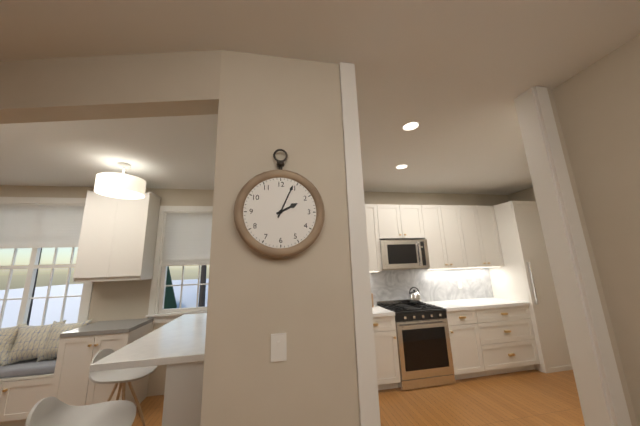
2:04
